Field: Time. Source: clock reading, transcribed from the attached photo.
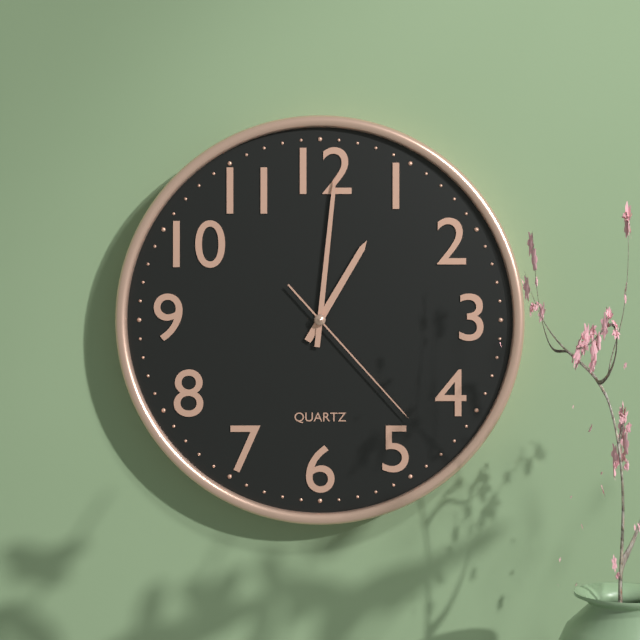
1:01:23
